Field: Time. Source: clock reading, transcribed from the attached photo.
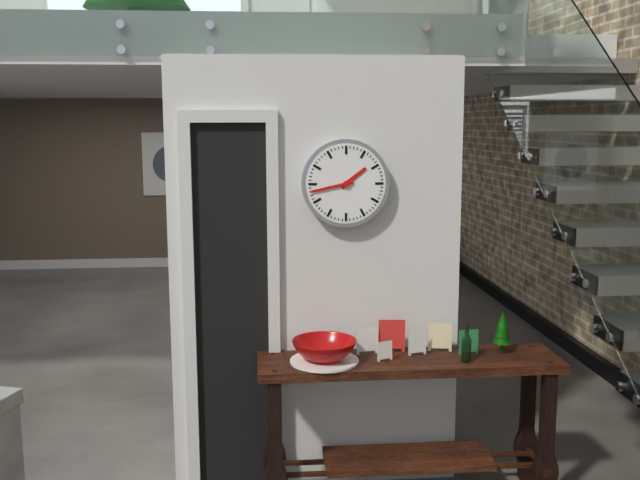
1:43
